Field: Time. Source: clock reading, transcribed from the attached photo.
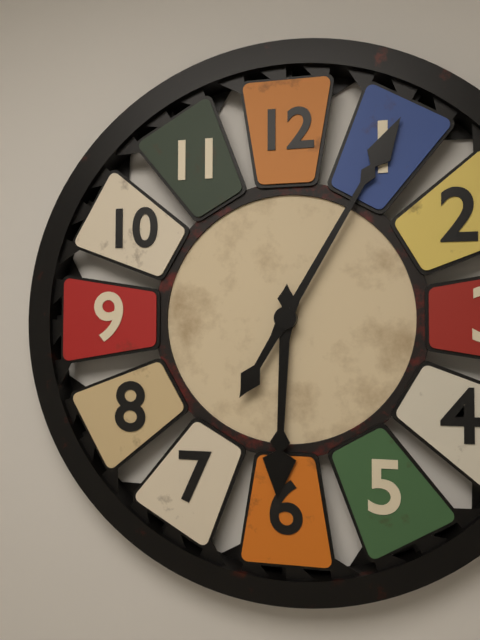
6:05
